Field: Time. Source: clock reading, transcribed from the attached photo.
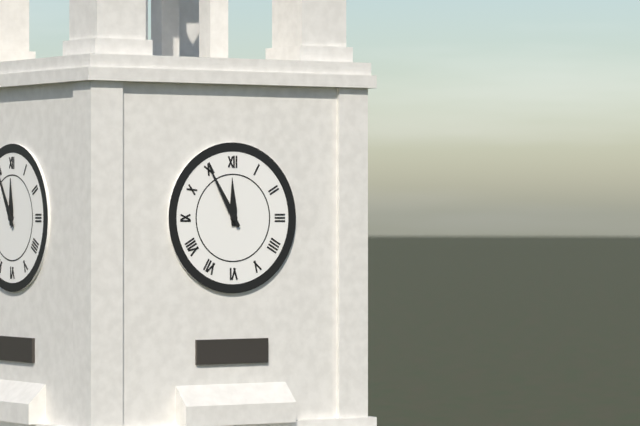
11:55
